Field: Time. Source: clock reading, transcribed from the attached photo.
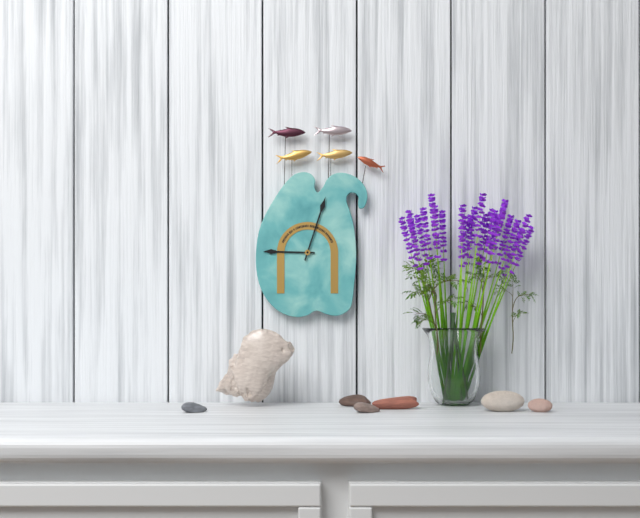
9:03
